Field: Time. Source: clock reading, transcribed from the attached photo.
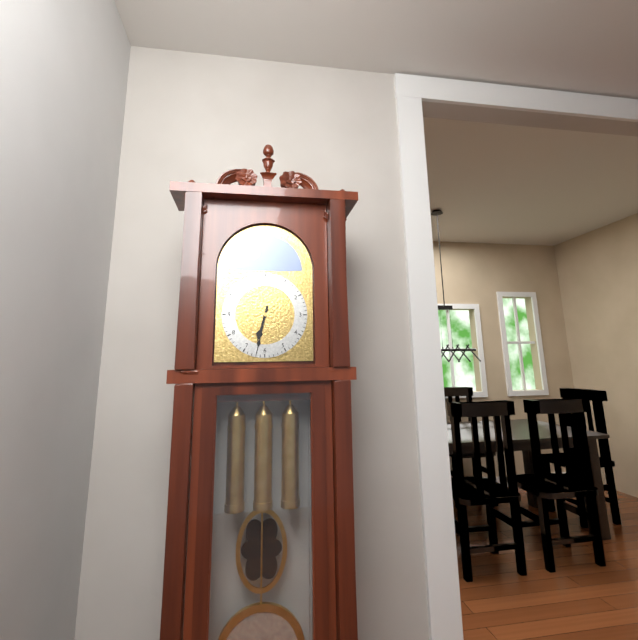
6:32
